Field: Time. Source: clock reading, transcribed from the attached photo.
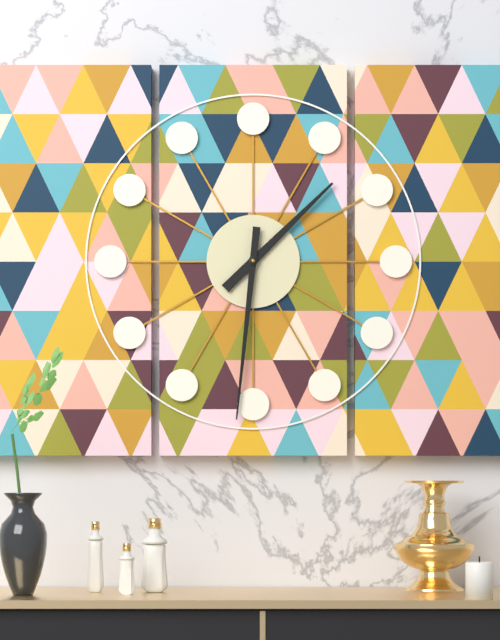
1:31
